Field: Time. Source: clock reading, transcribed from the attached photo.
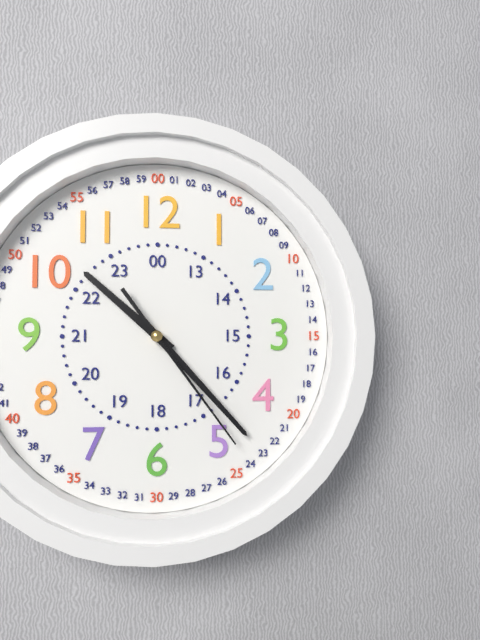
10:23:24
